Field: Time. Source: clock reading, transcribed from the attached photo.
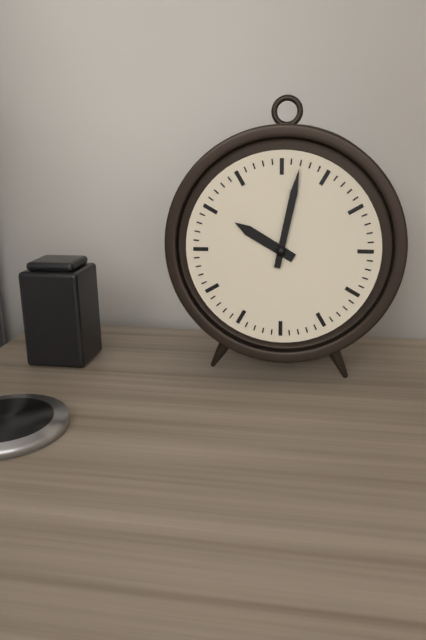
10:02
